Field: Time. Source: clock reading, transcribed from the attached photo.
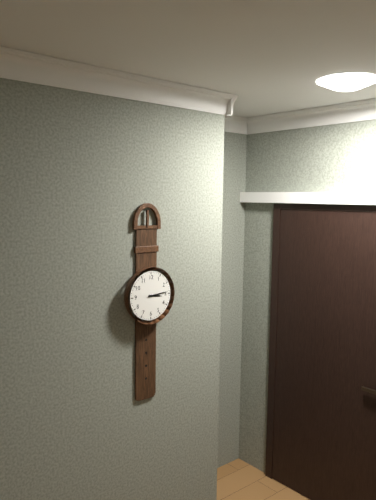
3:14
